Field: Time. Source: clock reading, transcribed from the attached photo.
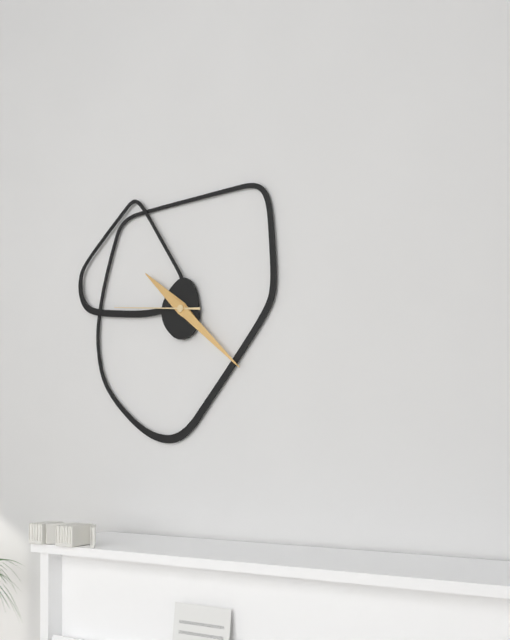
10:22:46
